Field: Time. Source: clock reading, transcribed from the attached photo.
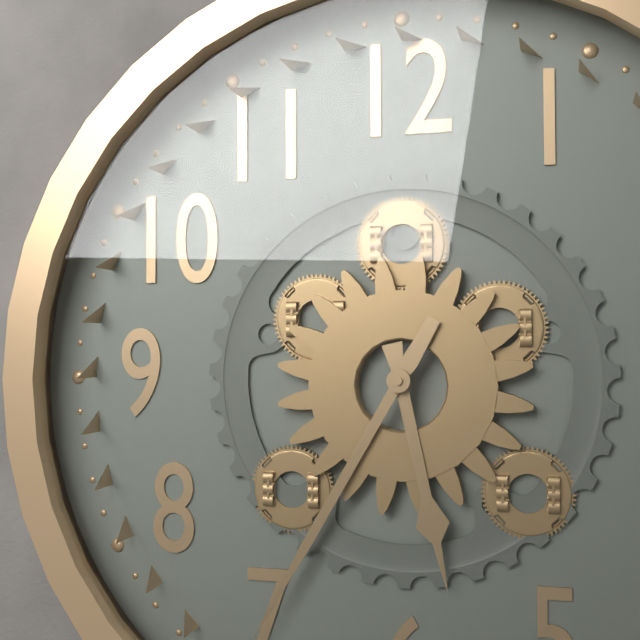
5:35
